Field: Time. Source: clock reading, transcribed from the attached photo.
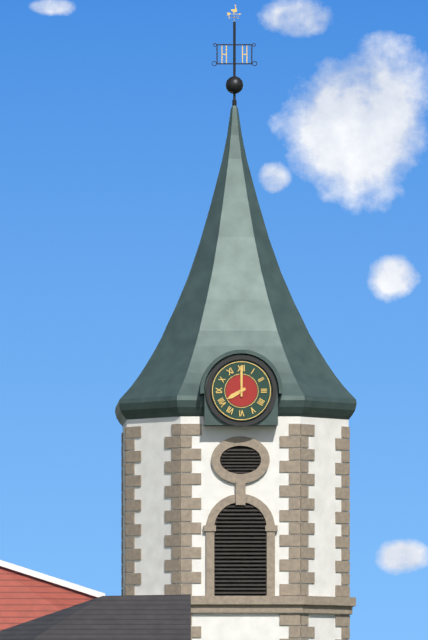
8:00
